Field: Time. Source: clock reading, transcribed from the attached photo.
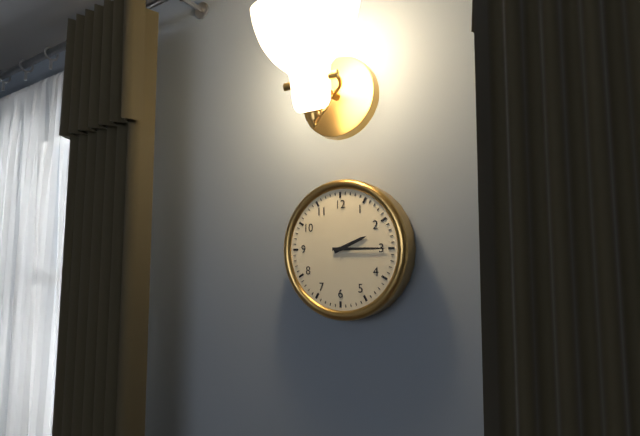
2:15
